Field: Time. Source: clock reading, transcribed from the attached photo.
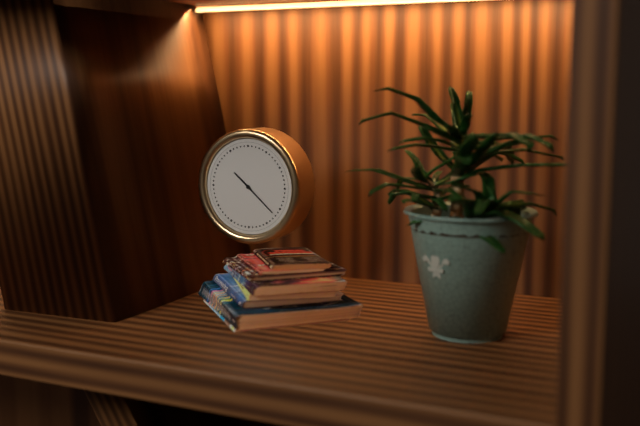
10:22
